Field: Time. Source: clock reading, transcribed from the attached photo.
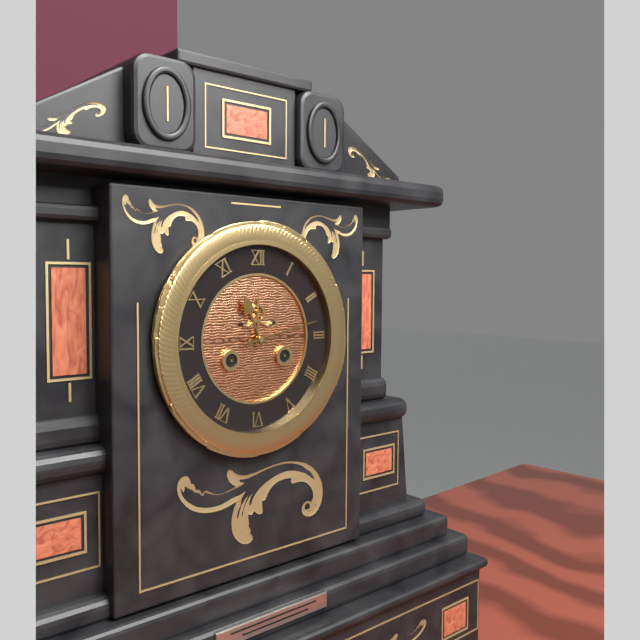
11:13
